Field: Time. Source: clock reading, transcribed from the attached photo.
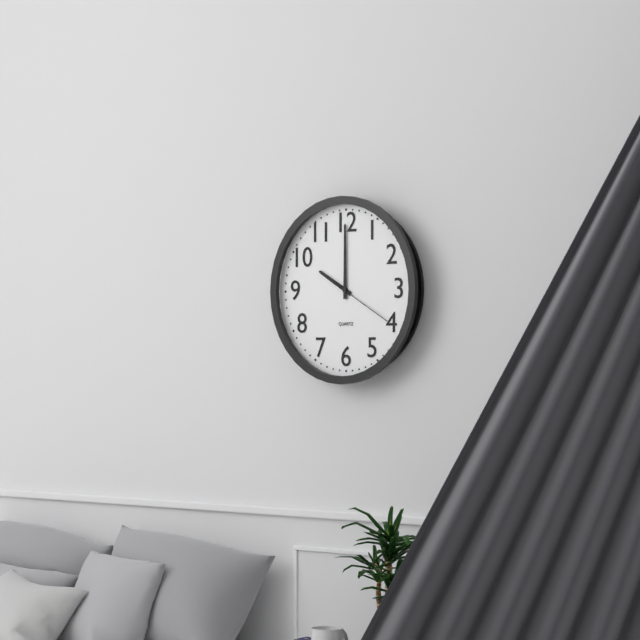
10:00:20
